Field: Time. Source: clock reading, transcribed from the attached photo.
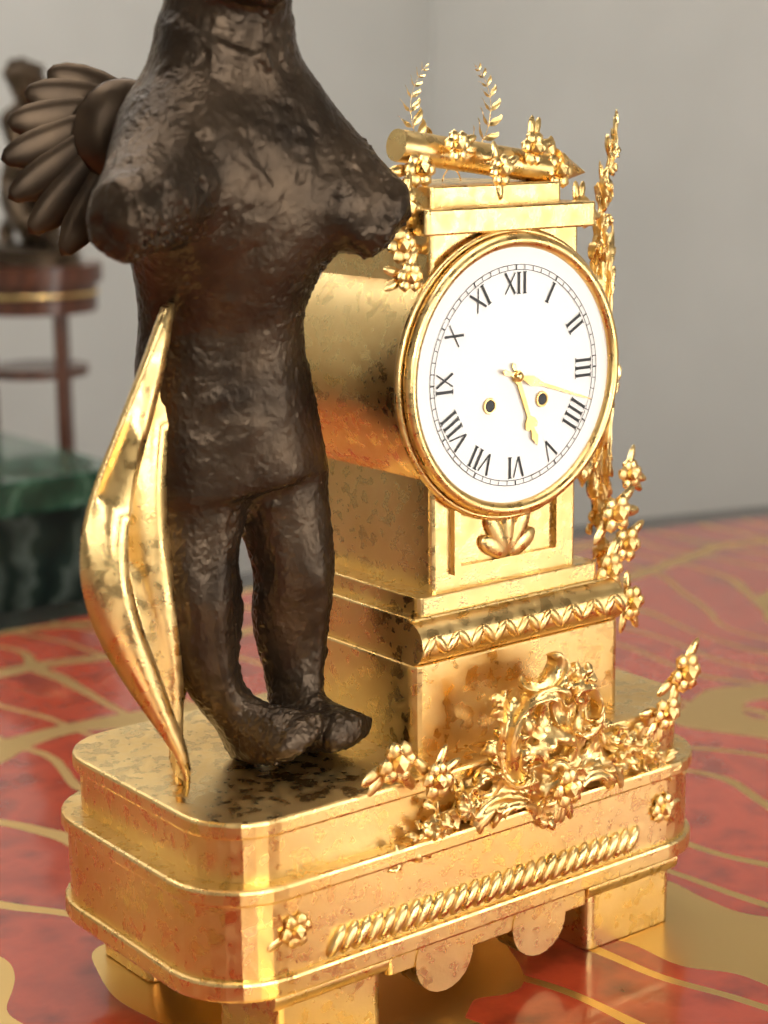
5:18
